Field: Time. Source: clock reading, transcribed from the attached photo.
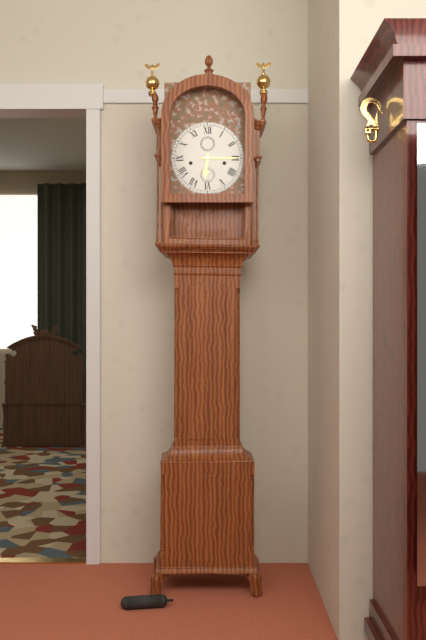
6:15
